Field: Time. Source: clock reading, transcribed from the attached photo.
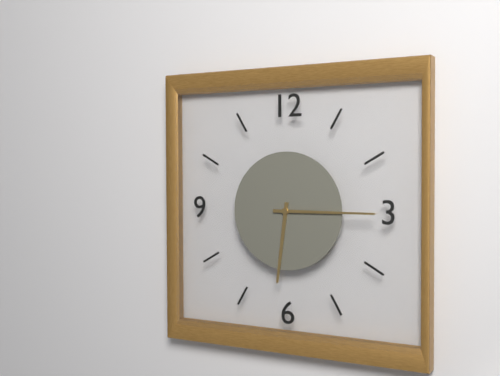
6:15
